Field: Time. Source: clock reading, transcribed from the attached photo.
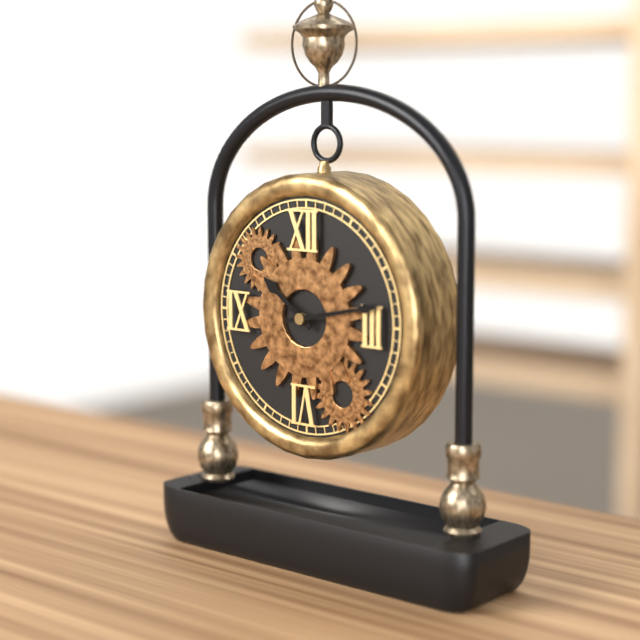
10:13
